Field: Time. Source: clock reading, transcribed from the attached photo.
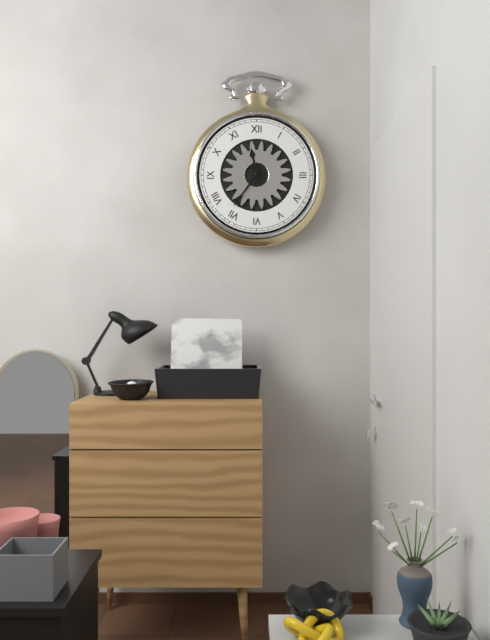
11:36
